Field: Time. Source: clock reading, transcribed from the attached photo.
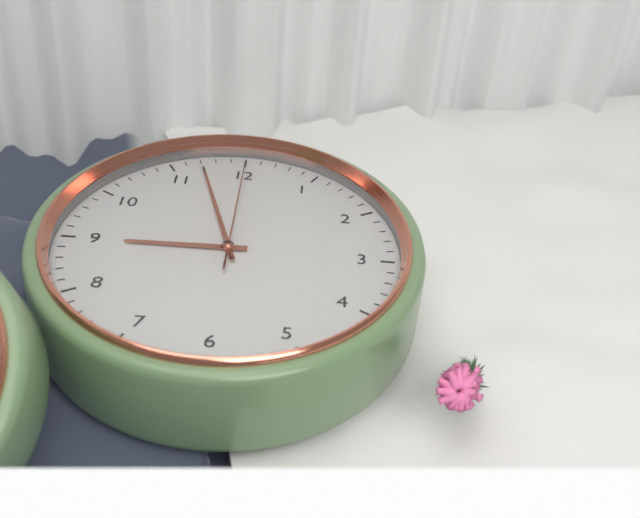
8:57:00
